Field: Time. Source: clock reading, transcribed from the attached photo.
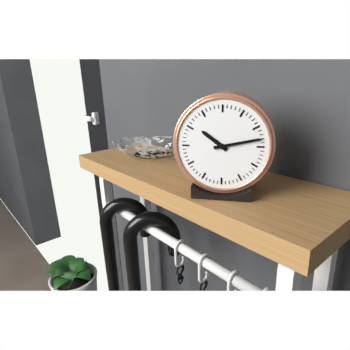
10:13
